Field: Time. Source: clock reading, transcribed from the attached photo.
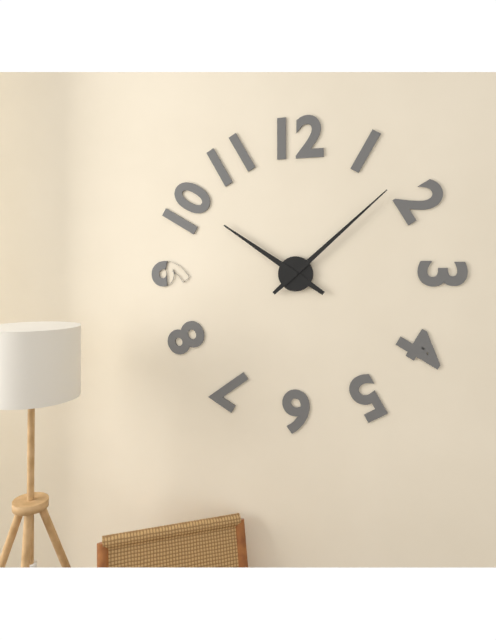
10:08
